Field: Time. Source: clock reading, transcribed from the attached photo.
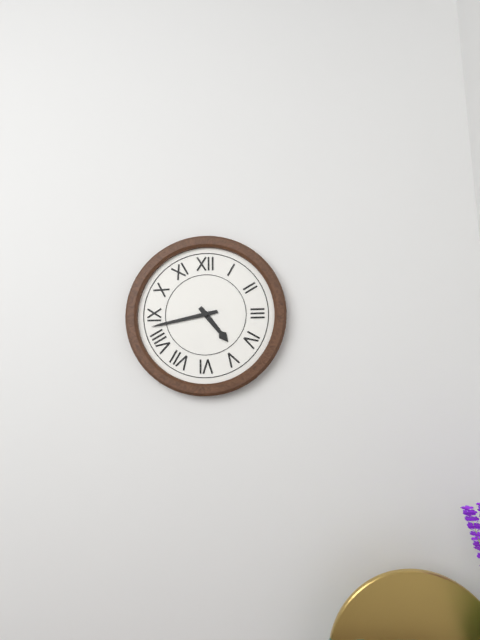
4:43
